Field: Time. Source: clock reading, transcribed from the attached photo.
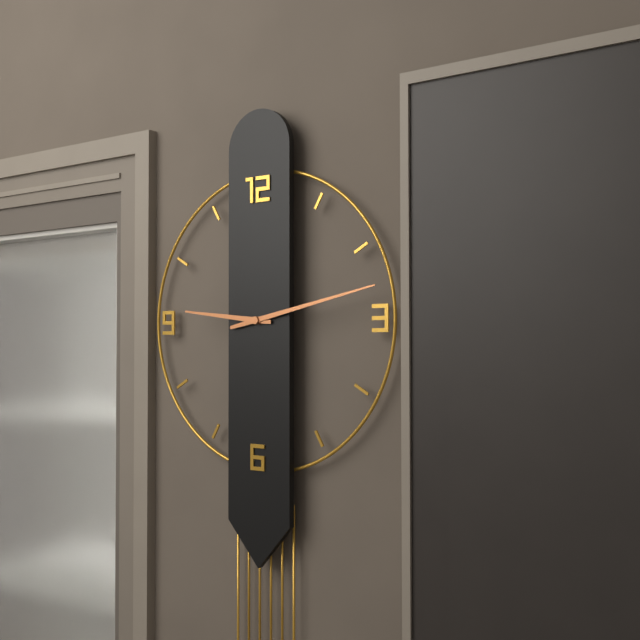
9:13
